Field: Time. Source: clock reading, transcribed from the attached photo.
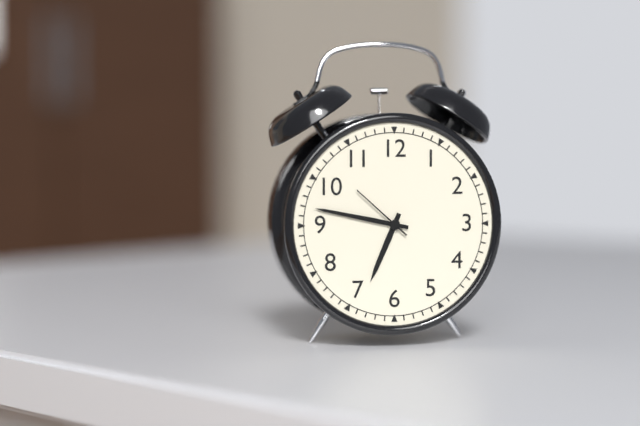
6:47:52
